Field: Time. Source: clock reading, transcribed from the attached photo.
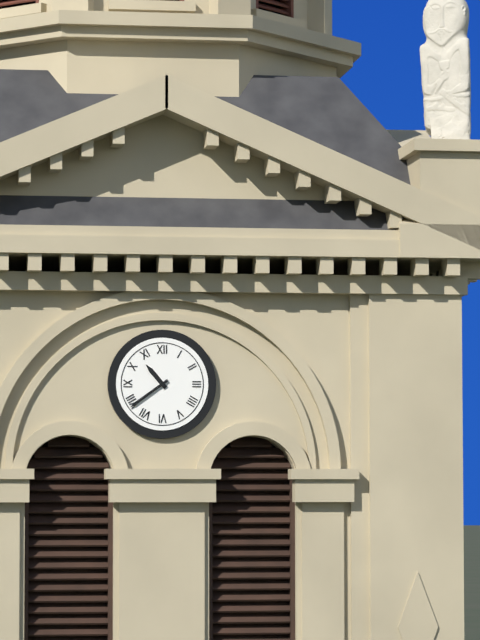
10:39
